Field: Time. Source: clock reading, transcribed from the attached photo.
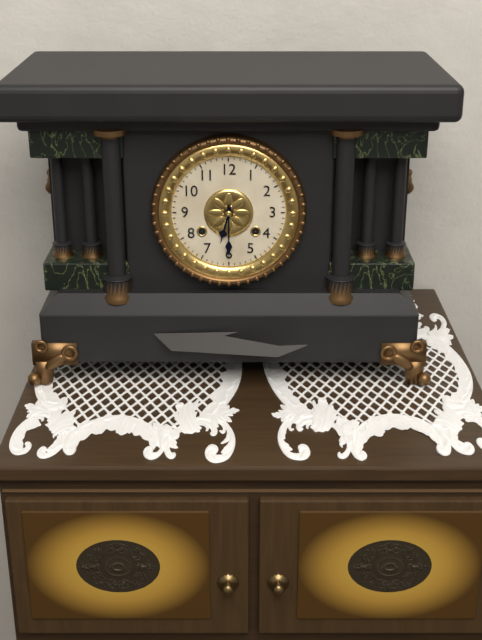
6:30
